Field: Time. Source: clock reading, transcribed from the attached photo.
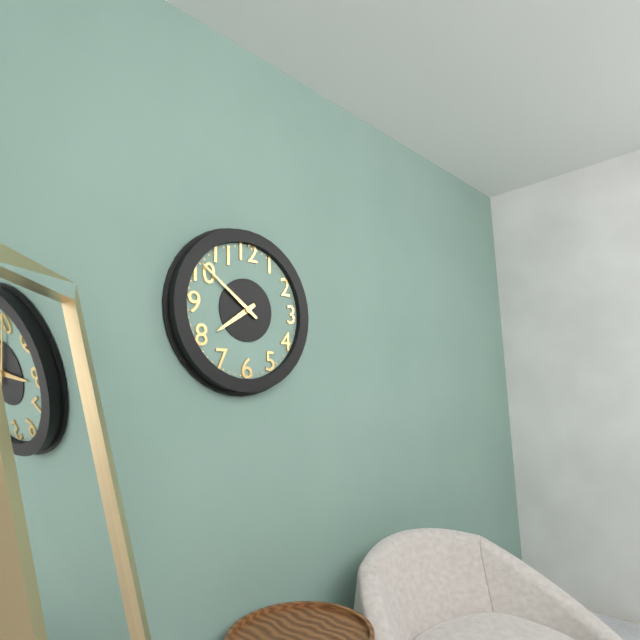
7:51
